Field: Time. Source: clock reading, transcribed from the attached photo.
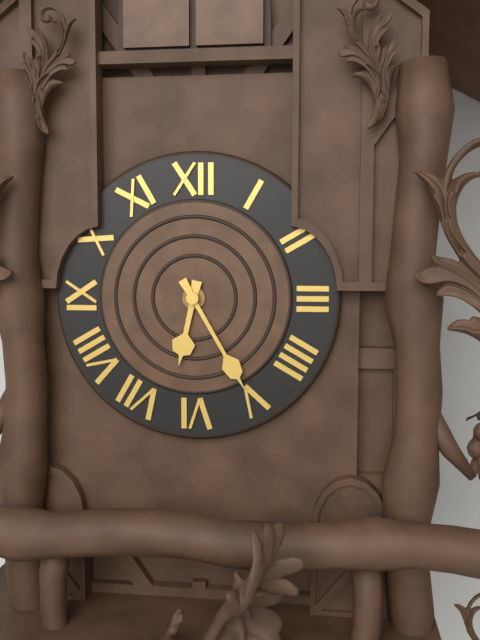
6:25
